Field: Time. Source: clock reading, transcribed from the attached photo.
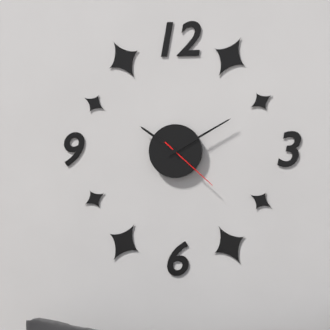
10:10:22
